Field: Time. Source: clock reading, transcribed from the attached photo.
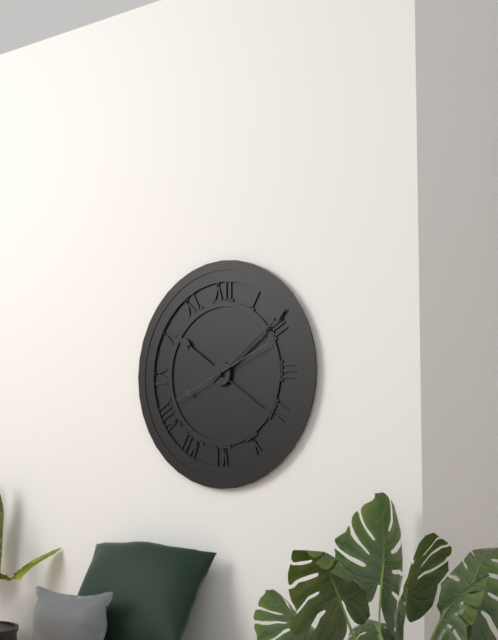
10:09:11
